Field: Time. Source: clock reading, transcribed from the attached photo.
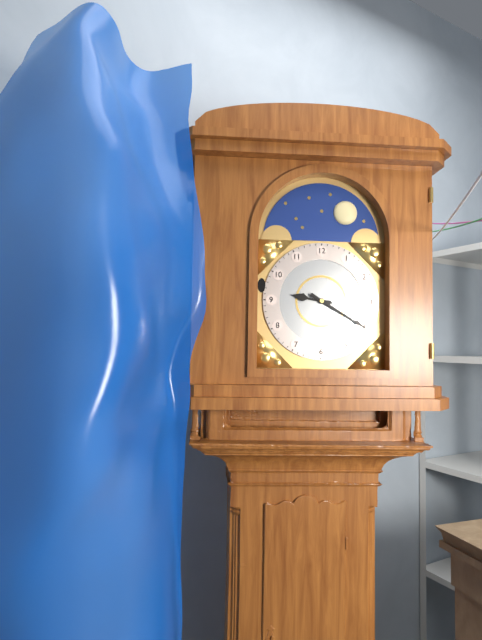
9:20
